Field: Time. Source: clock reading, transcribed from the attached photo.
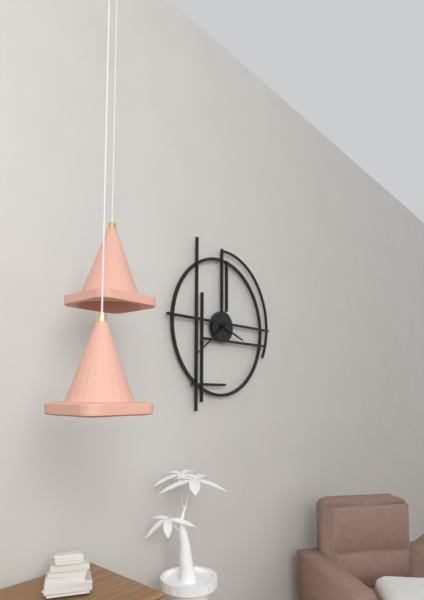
3:39
